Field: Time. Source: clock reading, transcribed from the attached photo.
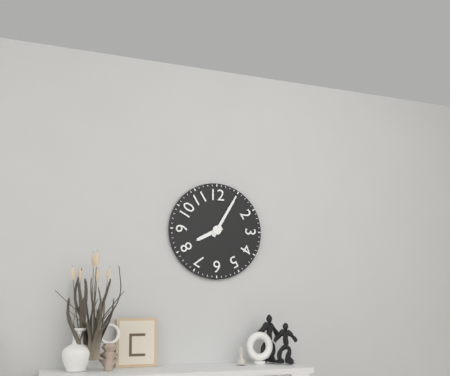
8:05
